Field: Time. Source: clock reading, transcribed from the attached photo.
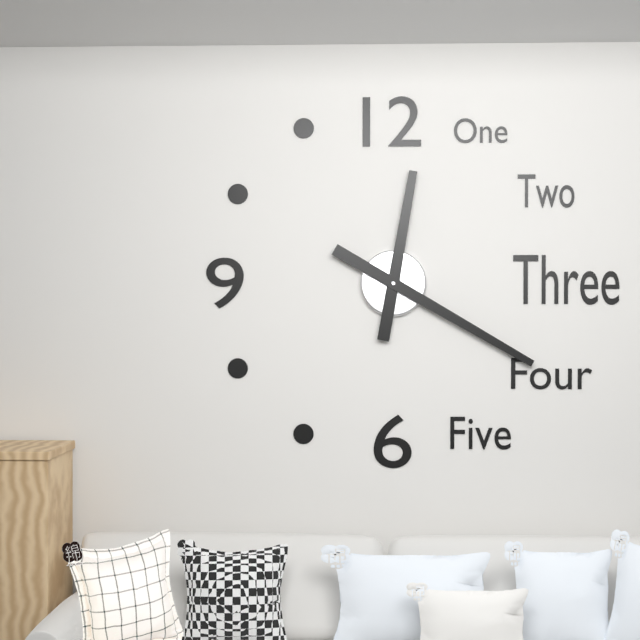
12:20
